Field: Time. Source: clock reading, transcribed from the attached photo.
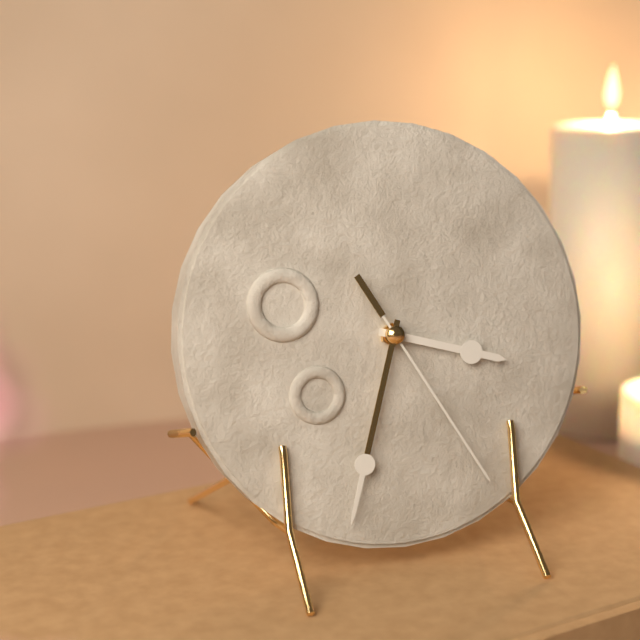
3:33:25
